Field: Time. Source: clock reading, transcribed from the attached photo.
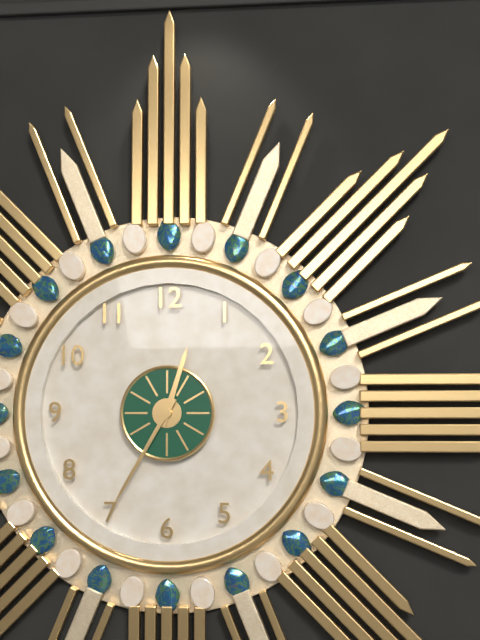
12:35
